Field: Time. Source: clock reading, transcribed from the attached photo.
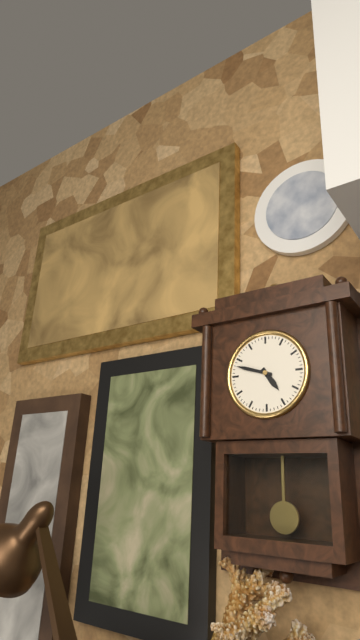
4:48
